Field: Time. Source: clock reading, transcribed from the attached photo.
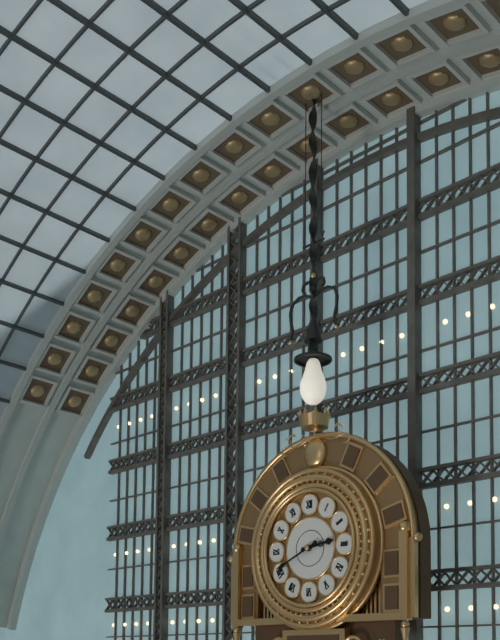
2:41
